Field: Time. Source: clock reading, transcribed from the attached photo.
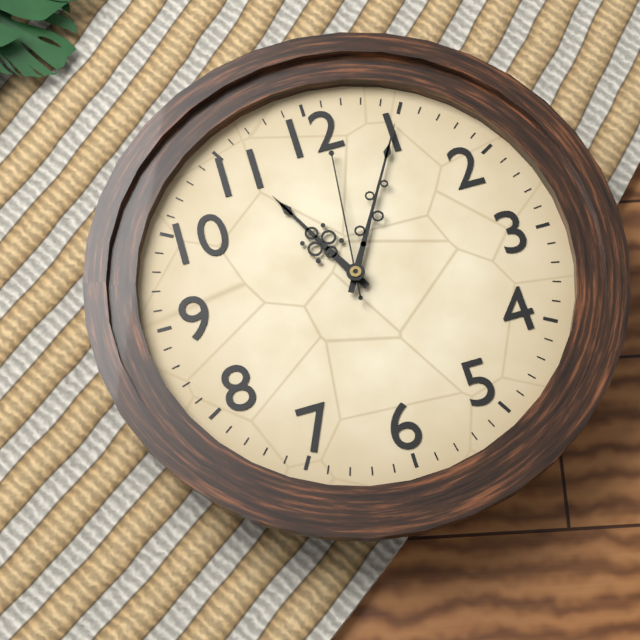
11:05:01
